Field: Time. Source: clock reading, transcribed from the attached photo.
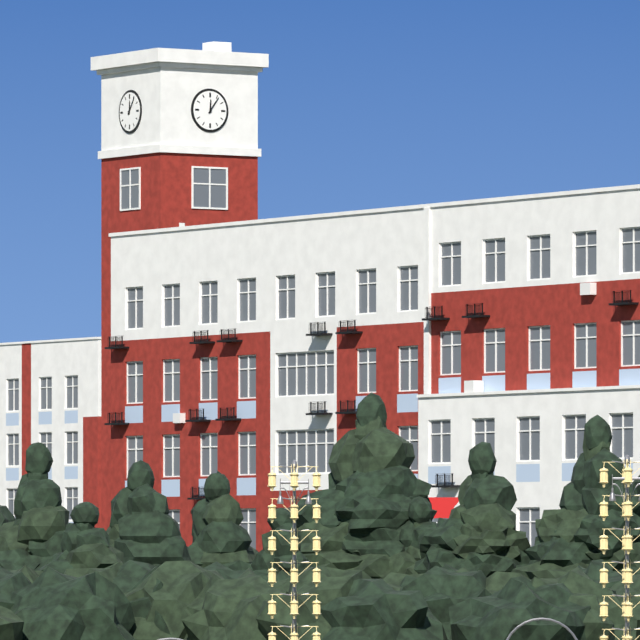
12:06
